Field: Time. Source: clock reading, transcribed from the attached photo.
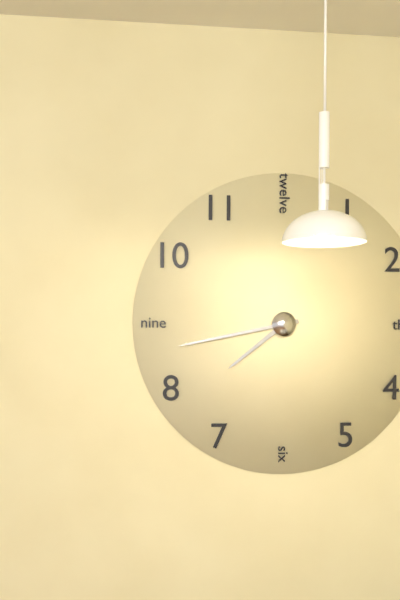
7:43
